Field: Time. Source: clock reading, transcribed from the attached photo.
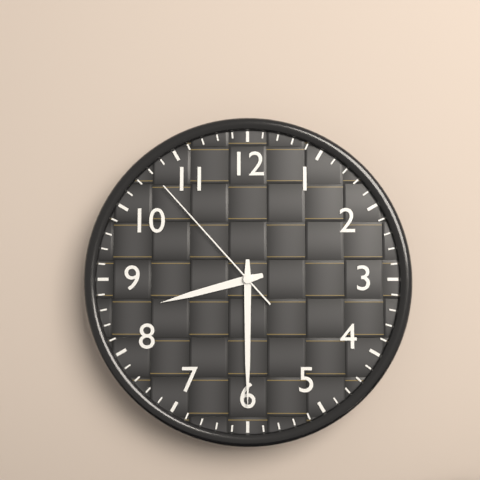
8:30:53
